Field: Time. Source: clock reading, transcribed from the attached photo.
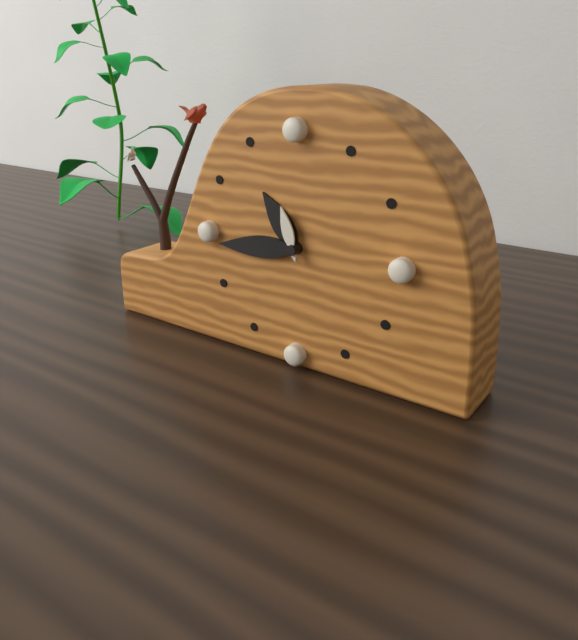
10:44:57
